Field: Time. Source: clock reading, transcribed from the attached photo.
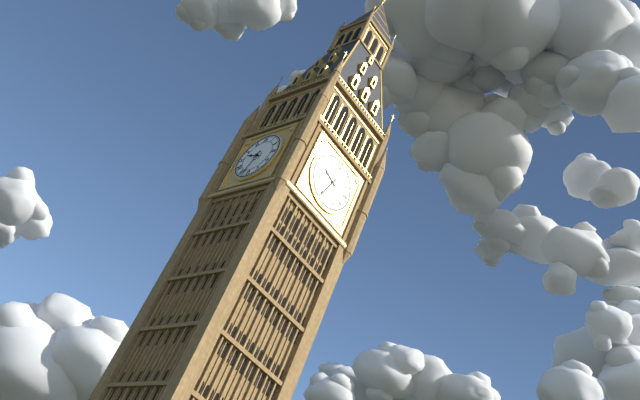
9:33
